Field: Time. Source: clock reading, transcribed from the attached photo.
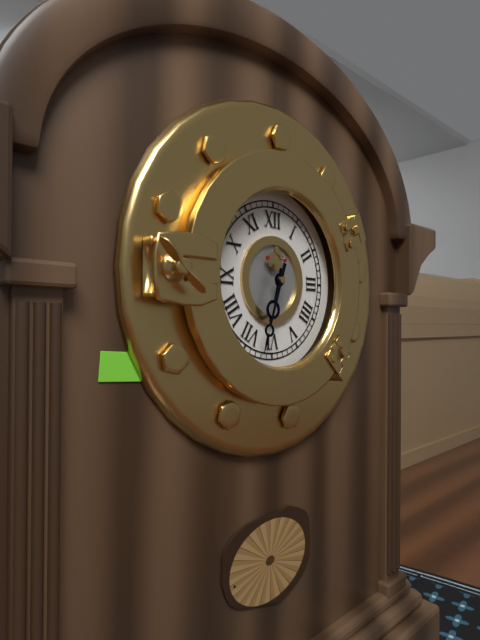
6:33
